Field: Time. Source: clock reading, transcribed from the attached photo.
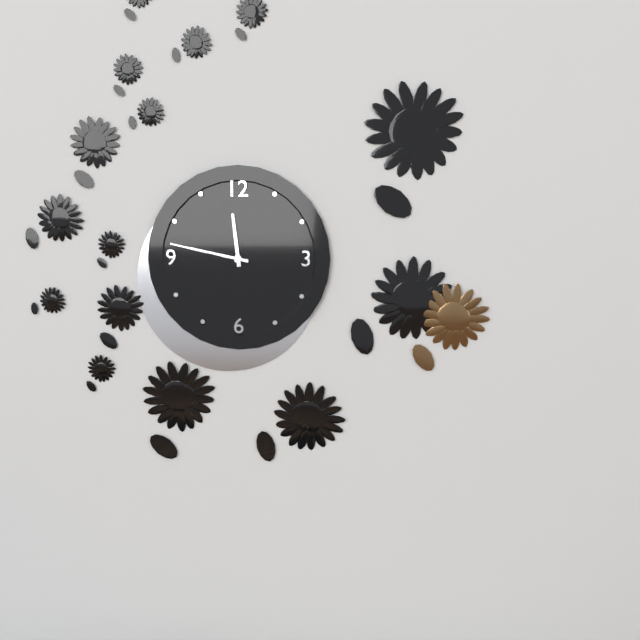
11:47
